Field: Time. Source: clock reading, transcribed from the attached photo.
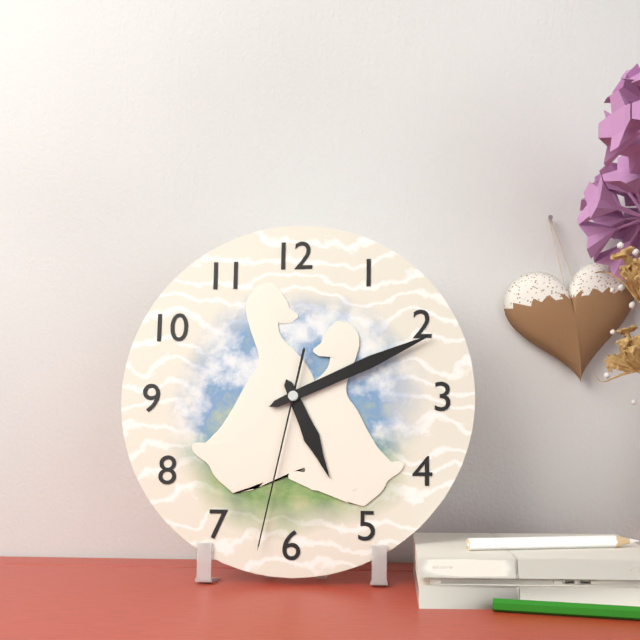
5:11:32
